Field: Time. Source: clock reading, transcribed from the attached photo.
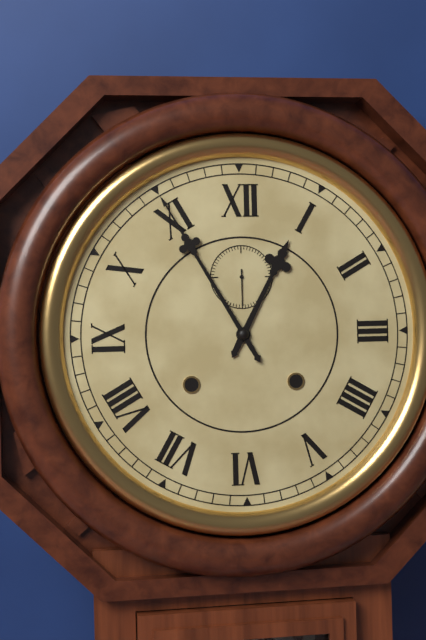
12:55
